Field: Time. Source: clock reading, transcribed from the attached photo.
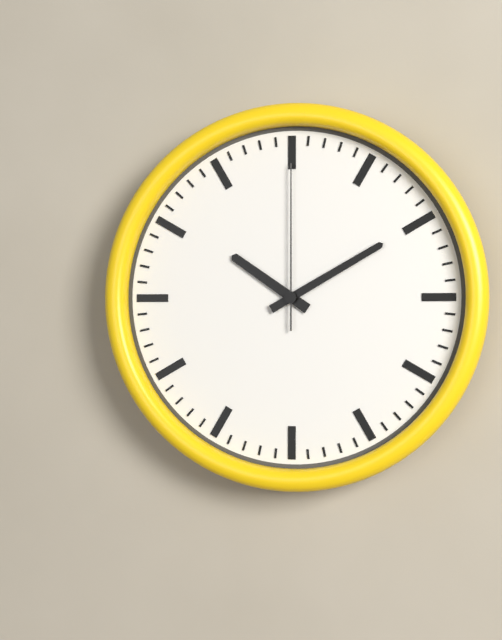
10:10:00
